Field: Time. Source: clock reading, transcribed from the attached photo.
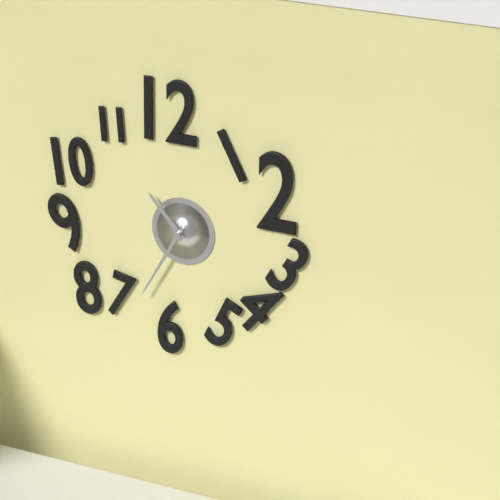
10:35
